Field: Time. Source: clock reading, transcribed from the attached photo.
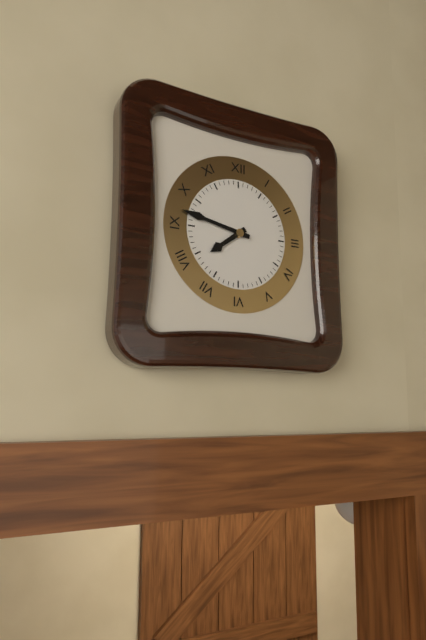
7:47
